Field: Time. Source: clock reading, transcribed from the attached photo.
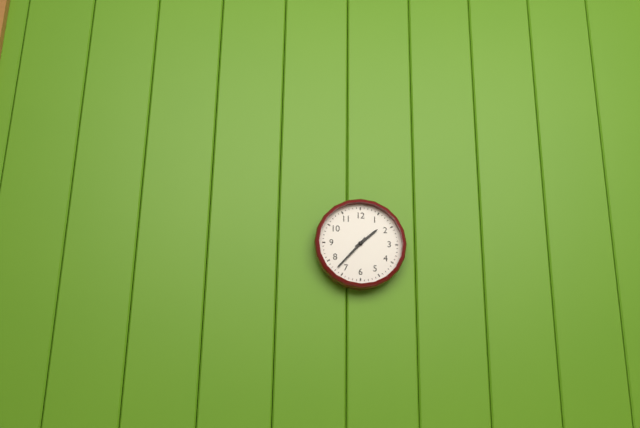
1:37
